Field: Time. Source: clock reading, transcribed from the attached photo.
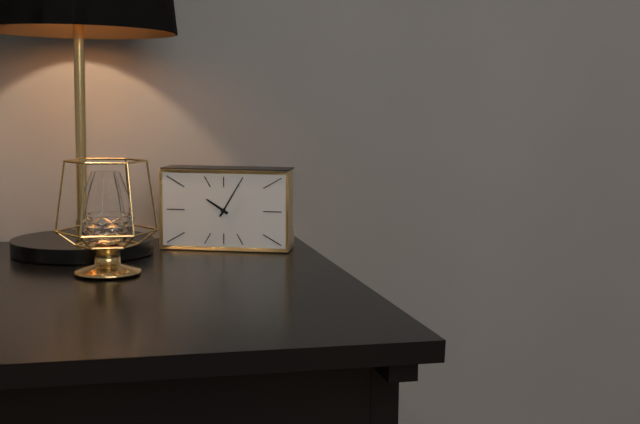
10:05
